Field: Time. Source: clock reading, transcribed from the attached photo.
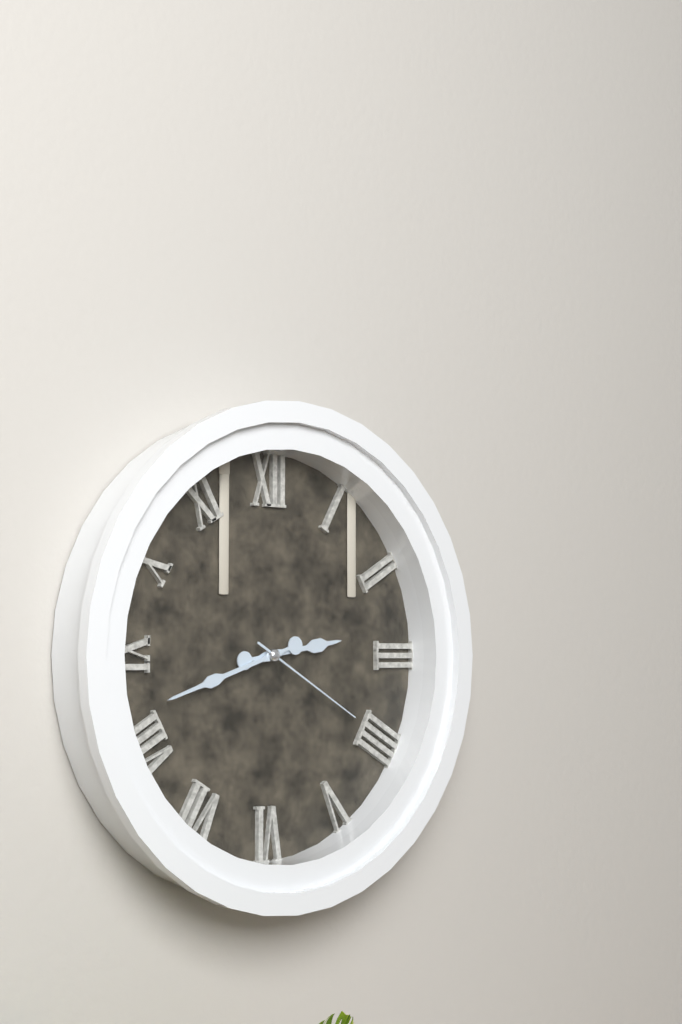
2:42:20
